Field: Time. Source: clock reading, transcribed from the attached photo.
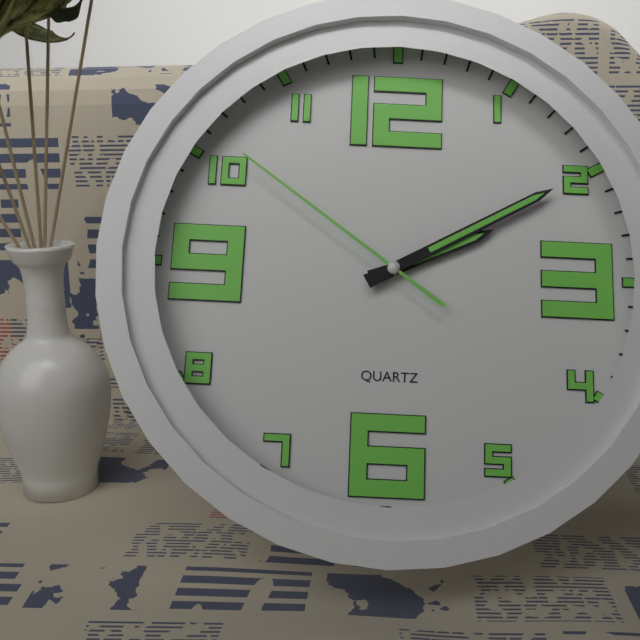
2:10:51
